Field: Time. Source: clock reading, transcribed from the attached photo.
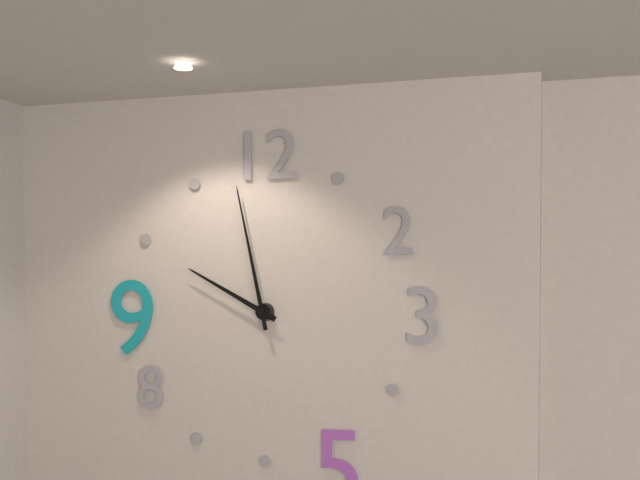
9:58
